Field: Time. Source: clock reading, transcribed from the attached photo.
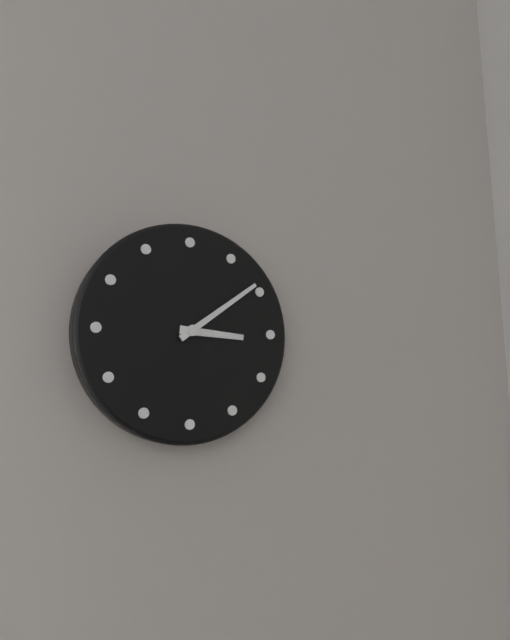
3:09
